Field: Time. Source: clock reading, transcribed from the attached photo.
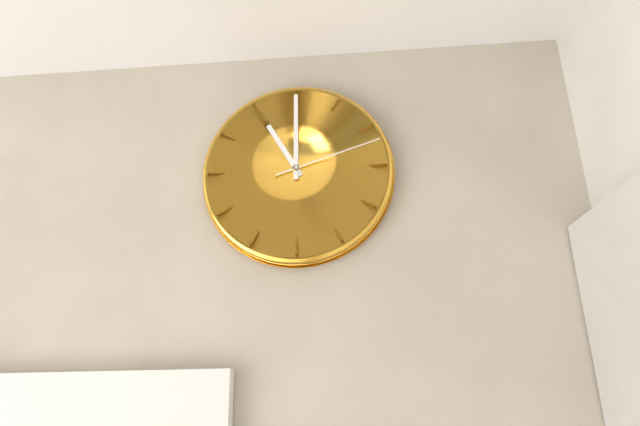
11:00:12
